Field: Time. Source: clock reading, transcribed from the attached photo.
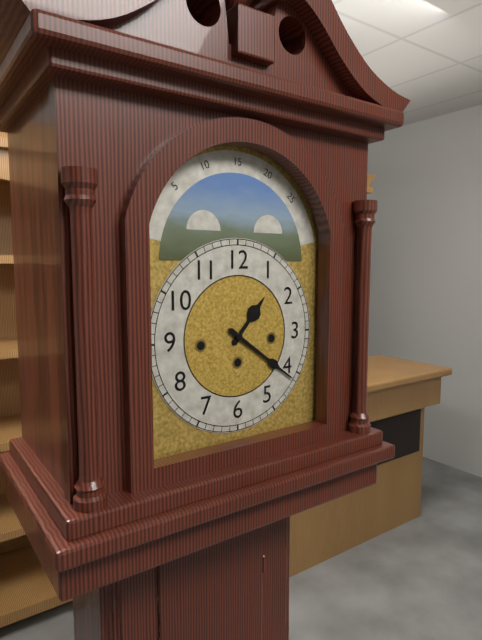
1:21
